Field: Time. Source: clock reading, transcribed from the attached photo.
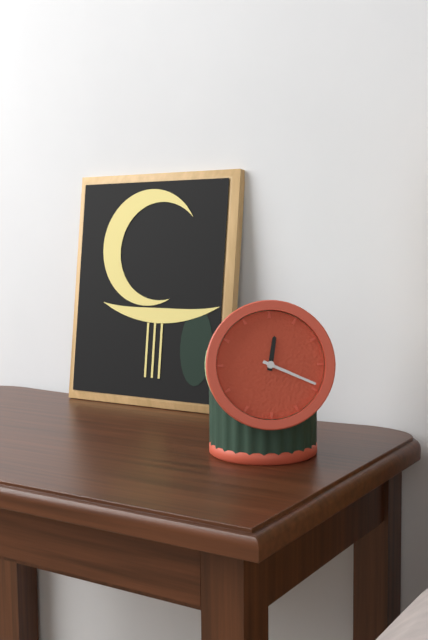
12:19
